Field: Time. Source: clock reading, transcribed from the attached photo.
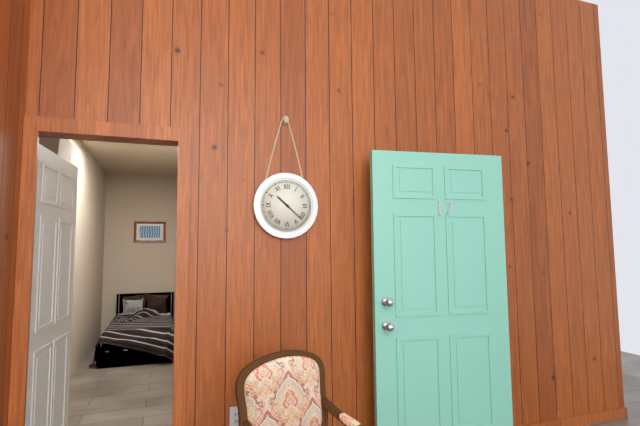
10:22
